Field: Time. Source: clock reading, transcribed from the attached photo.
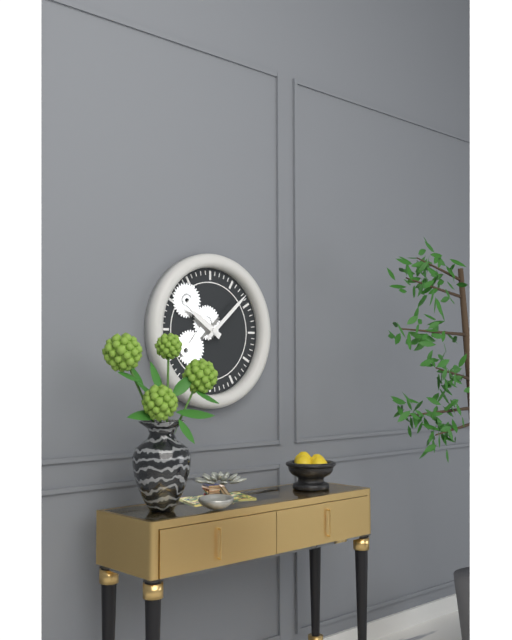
10:08
